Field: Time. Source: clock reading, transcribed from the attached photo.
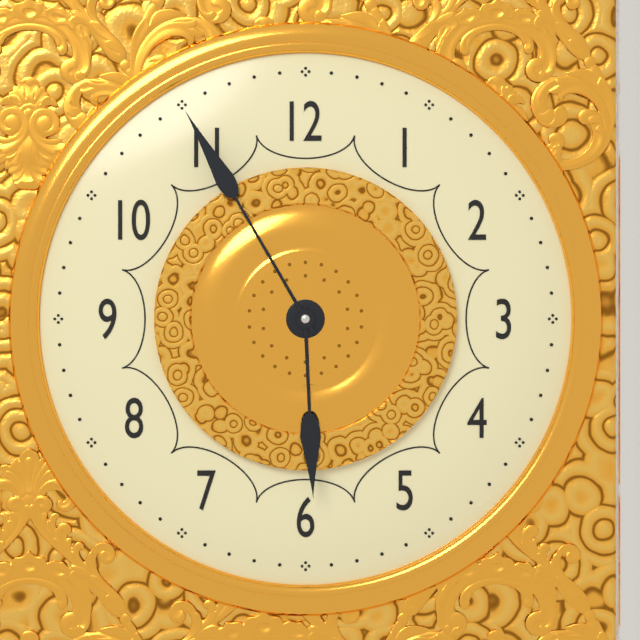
5:55
